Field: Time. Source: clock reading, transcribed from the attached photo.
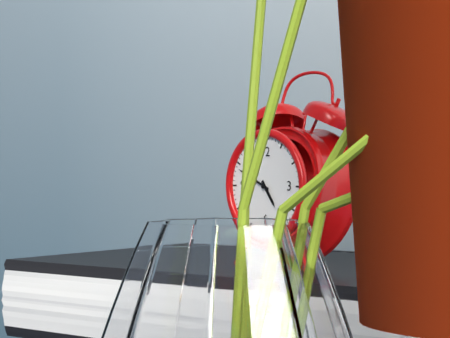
4:49
